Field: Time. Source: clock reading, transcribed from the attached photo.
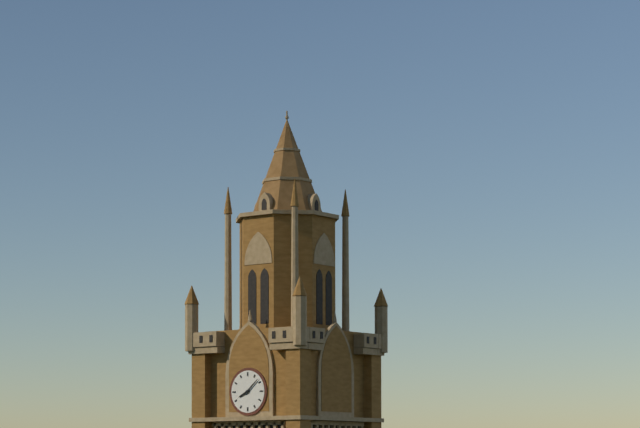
8:08
